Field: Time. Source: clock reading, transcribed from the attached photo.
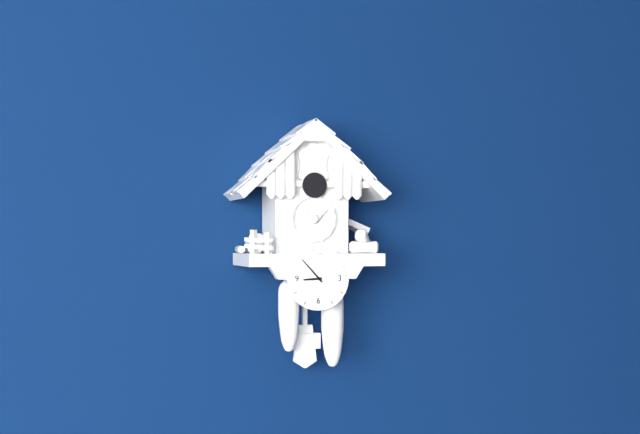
8:53
